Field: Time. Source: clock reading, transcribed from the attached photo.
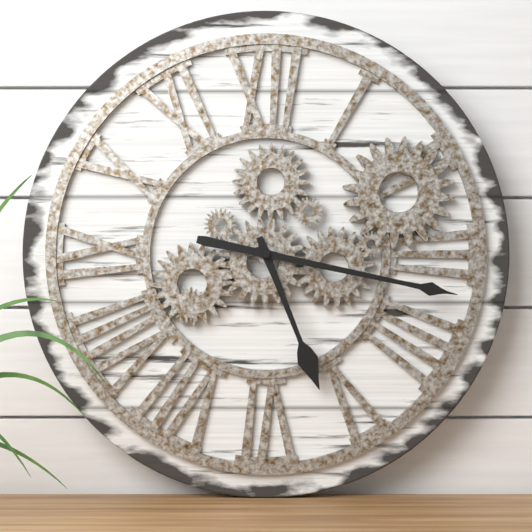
5:17
